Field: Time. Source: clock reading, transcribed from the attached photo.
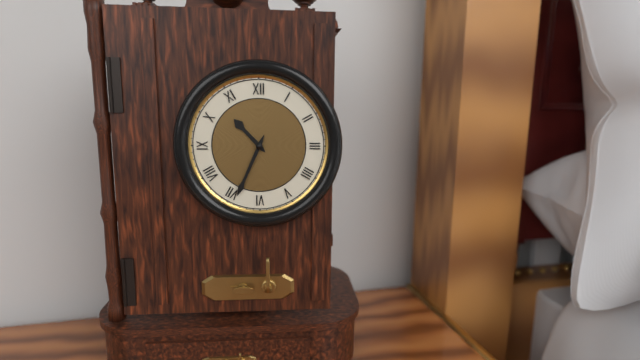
10:34
